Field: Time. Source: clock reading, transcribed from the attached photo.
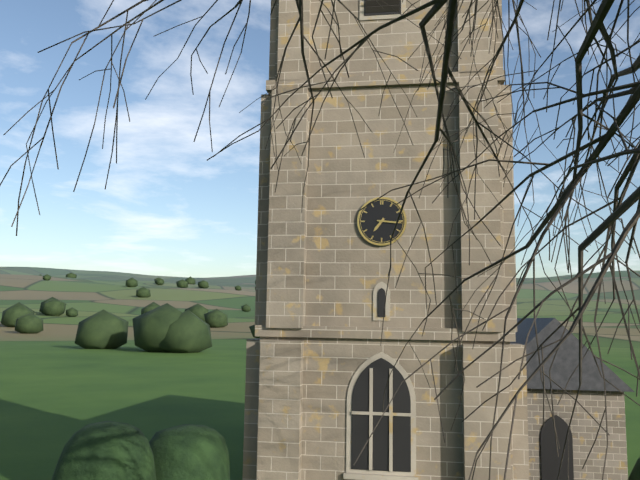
7:16
